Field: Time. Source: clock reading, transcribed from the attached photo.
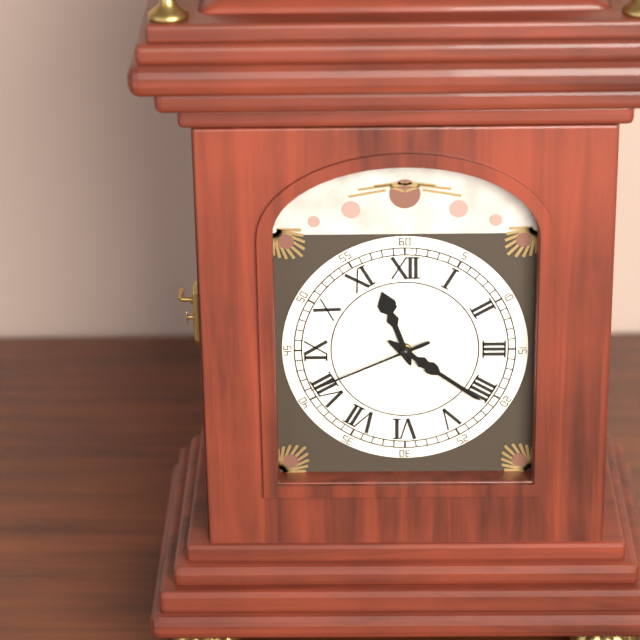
11:21:41
